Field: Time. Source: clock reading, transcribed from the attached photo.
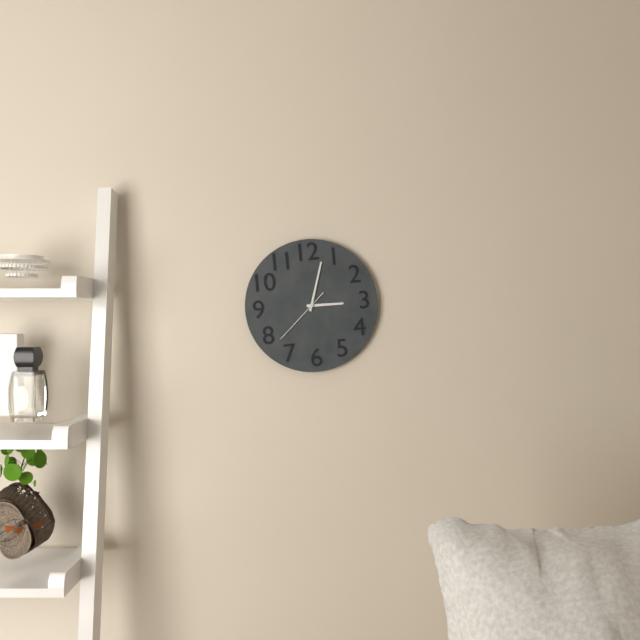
3:03:38
